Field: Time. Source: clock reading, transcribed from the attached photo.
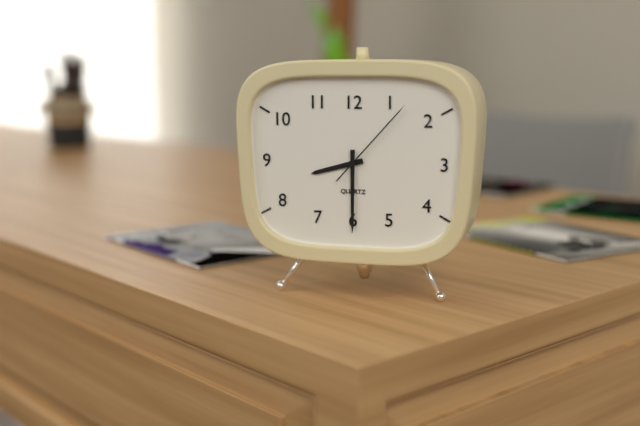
8:30:07
